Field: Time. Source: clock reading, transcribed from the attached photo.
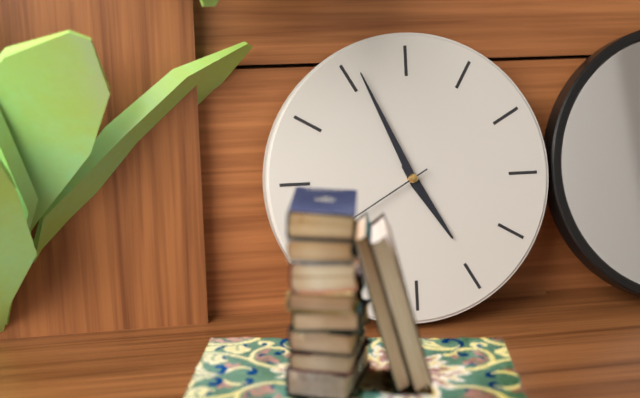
4:56:40
